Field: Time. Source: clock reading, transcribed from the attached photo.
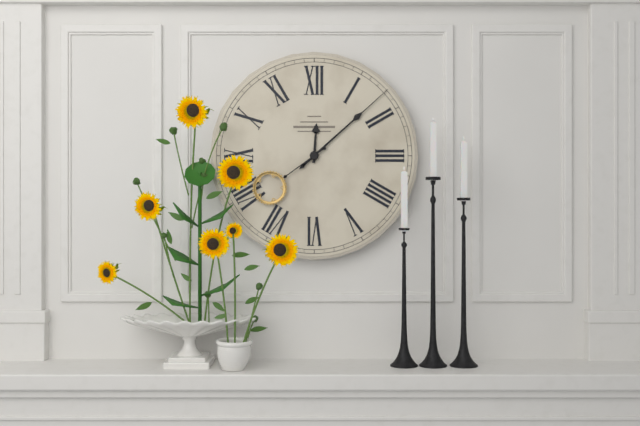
12:08:39
